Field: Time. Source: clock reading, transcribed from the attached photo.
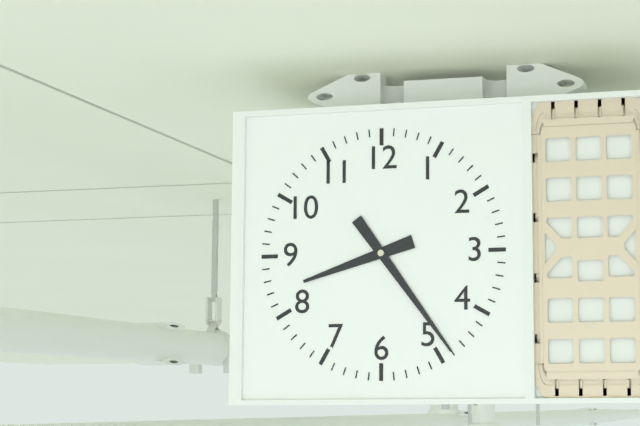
8:24
